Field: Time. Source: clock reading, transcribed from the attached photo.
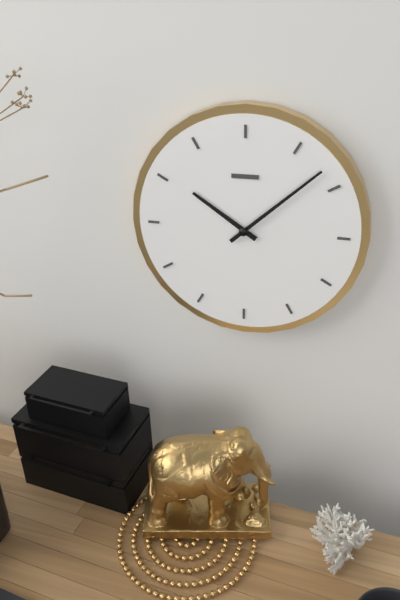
10:08
